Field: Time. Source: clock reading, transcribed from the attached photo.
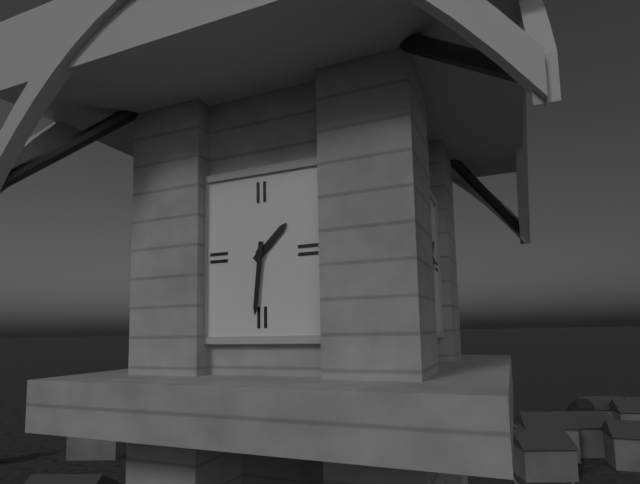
1:31
